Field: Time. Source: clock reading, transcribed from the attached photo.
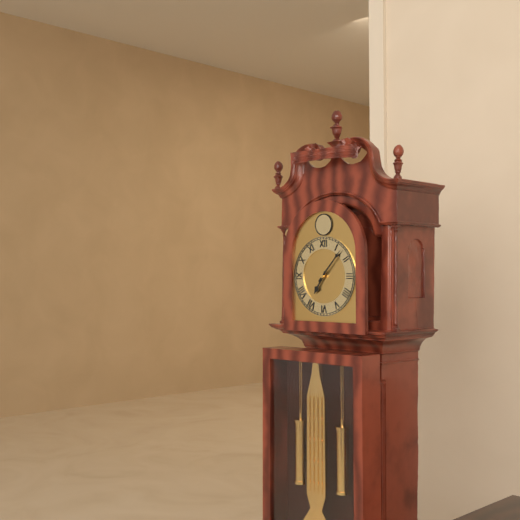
7:07
